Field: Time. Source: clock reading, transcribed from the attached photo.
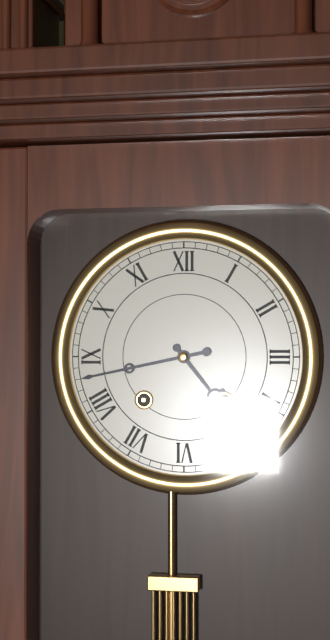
4:43
